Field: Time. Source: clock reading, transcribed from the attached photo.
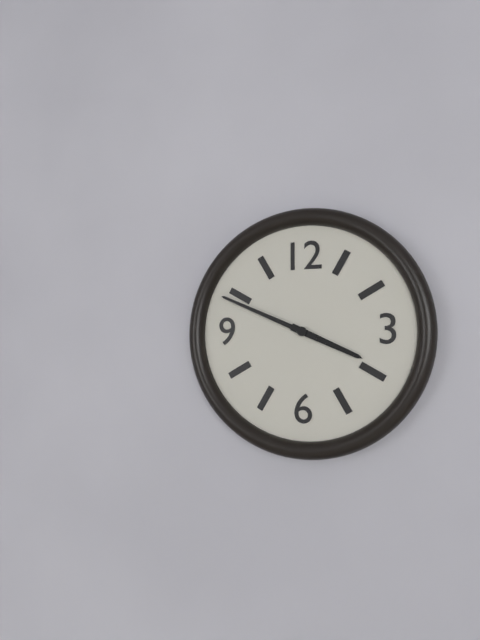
3:49
